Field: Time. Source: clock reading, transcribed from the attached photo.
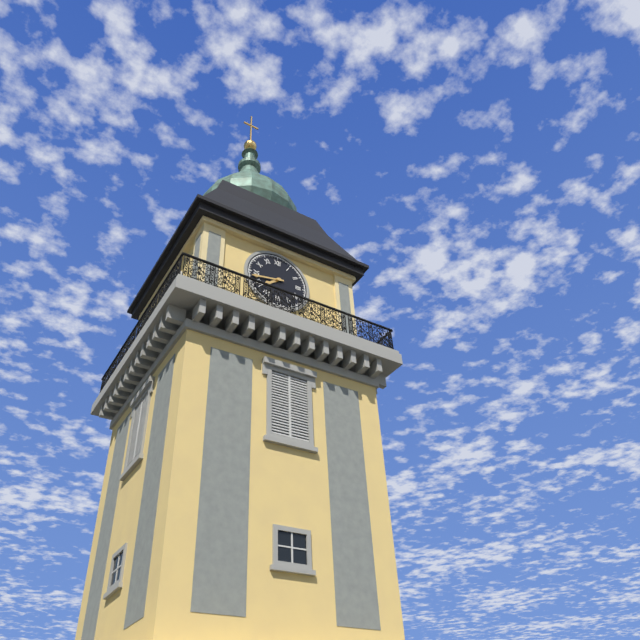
7:43
